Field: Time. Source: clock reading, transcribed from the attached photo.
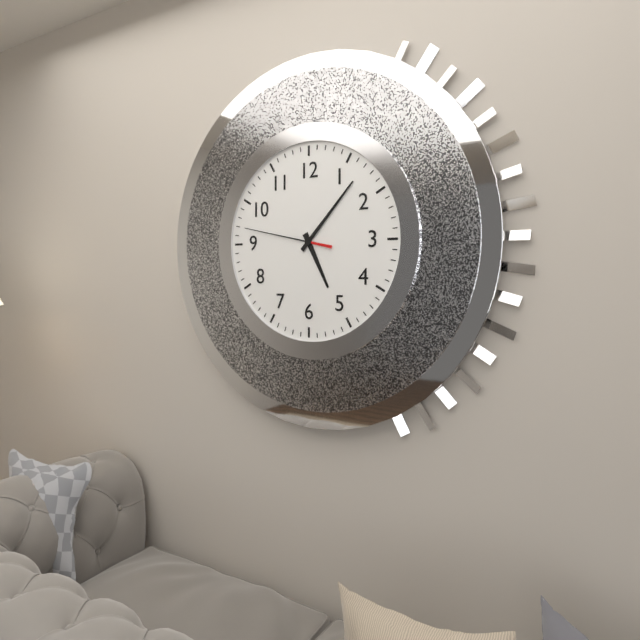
5:07:47
